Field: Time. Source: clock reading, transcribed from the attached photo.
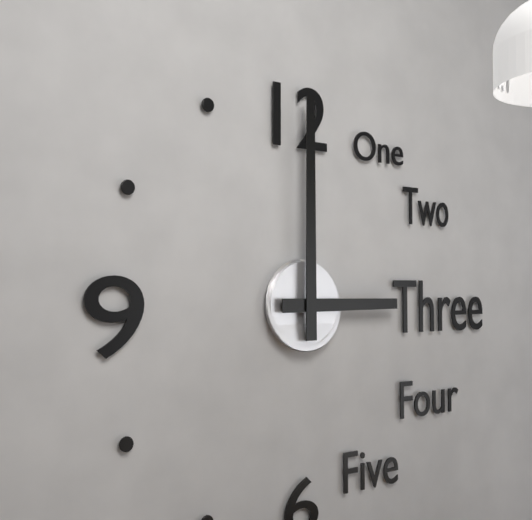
3:00
